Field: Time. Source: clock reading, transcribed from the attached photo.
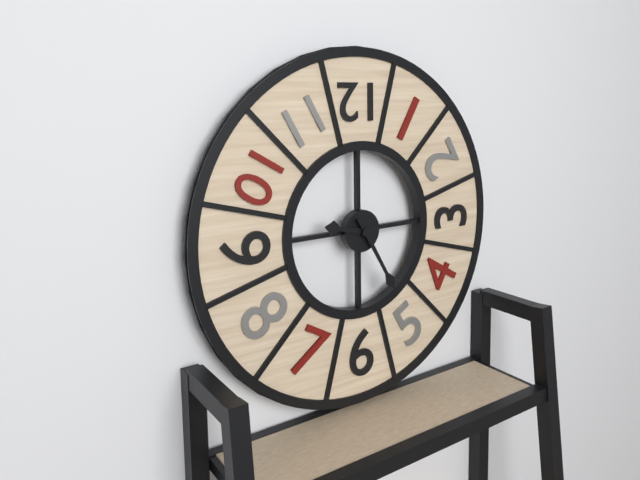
9:25
